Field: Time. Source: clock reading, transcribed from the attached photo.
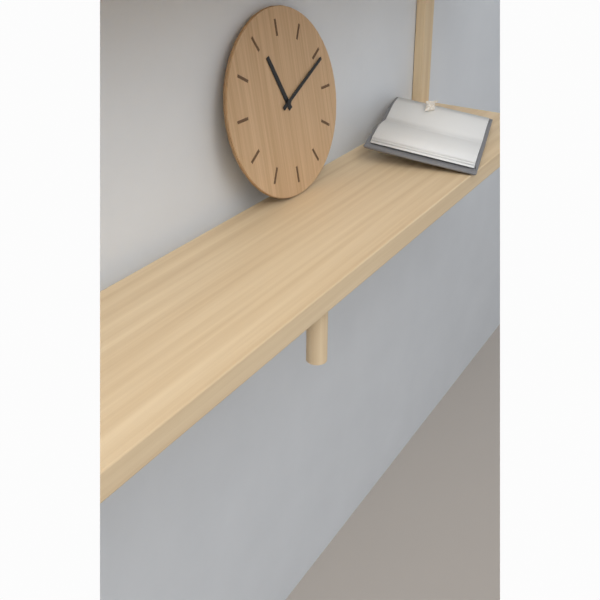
11:11
